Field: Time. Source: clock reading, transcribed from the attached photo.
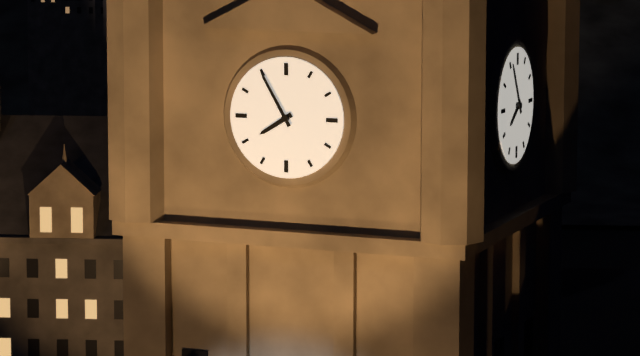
7:55
